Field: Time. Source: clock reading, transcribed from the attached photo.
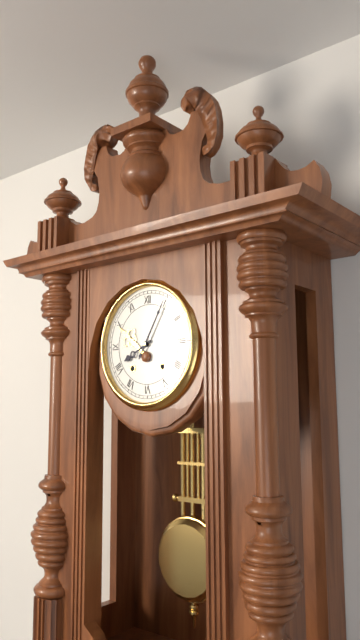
8:05
